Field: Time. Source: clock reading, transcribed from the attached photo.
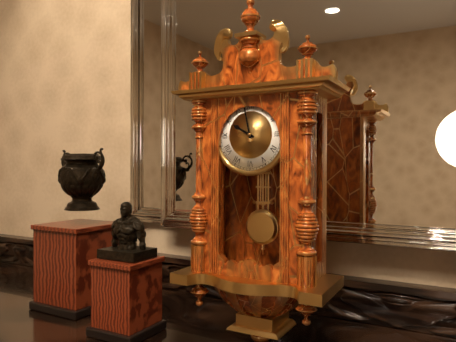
9:58
